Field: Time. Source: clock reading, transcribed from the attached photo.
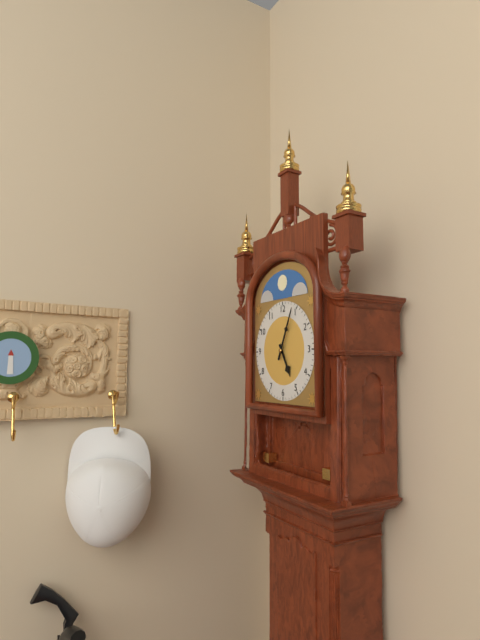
5:04
